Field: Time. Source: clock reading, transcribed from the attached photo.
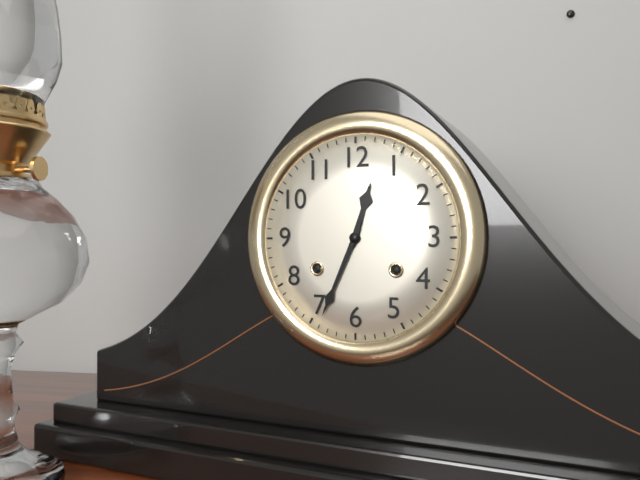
12:34
